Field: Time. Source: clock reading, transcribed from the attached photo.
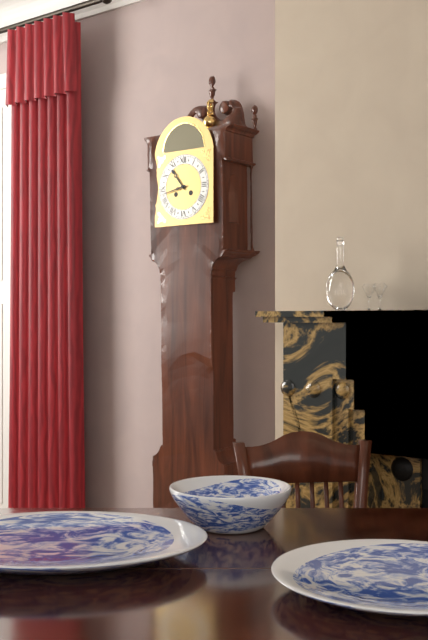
10:43
